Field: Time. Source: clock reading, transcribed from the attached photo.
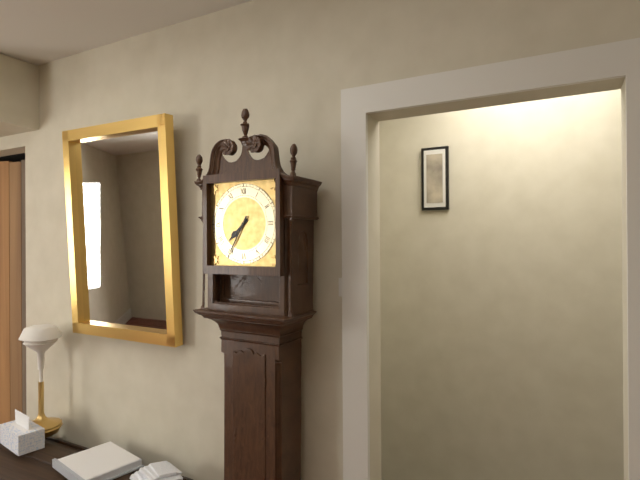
7:35
